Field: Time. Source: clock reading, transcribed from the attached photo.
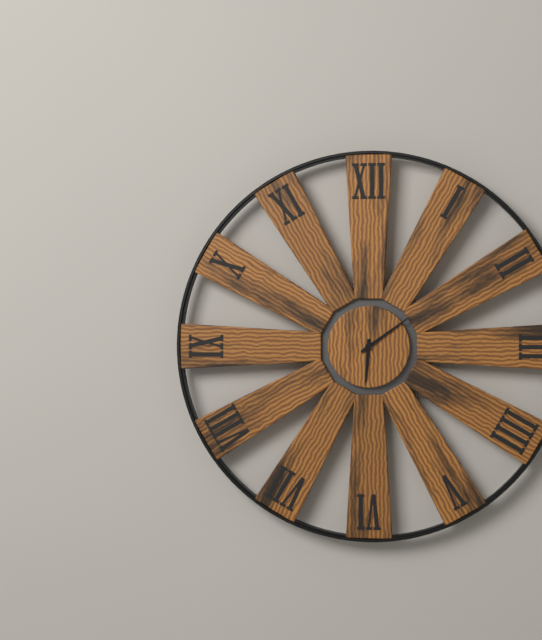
6:09
